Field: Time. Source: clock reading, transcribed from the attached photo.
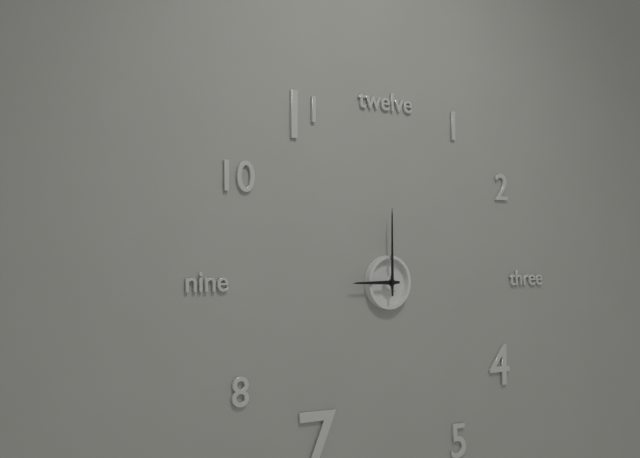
9:00
